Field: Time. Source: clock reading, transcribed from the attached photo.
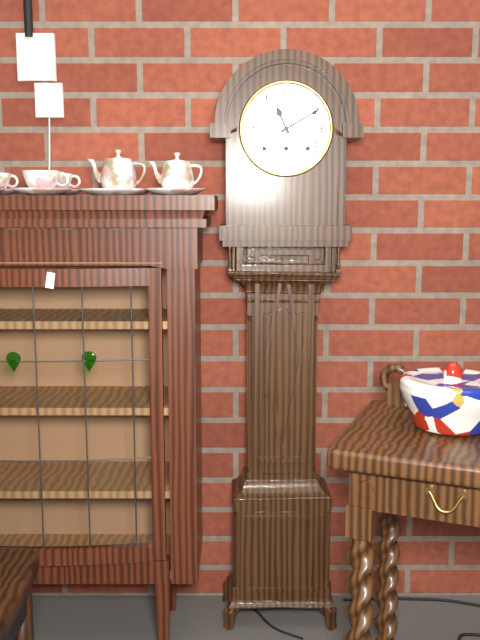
11:10
